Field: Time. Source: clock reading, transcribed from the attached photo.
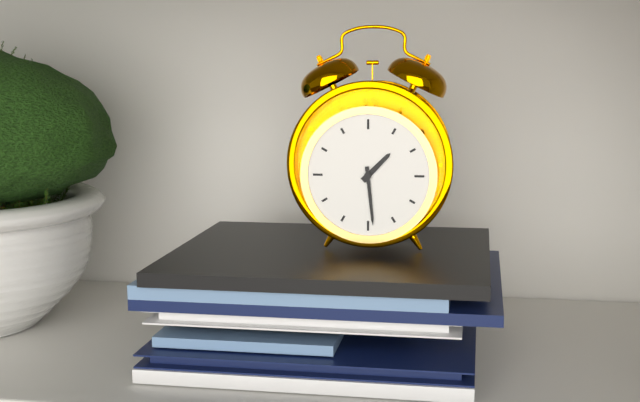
1:29
